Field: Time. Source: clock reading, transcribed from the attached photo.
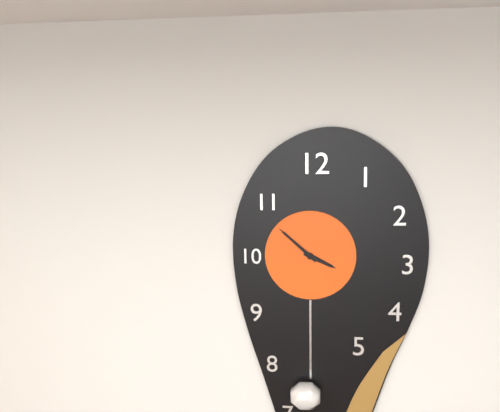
3:52
